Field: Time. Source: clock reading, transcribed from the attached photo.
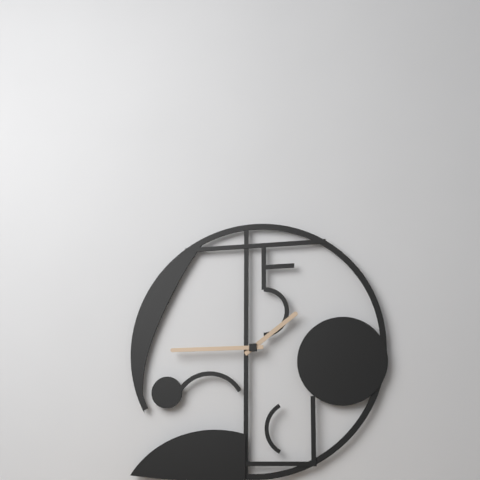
1:45
